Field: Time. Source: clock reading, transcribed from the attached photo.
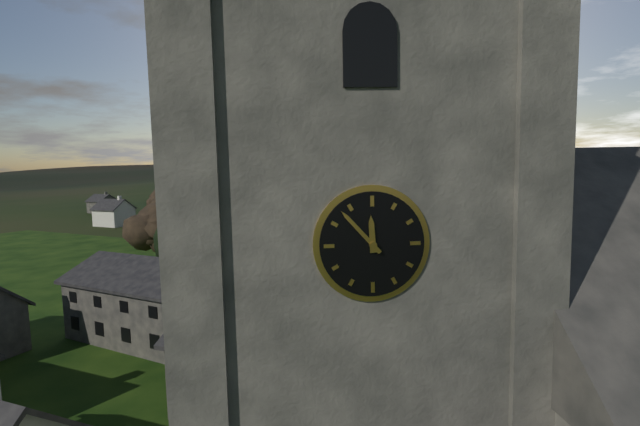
11:53
